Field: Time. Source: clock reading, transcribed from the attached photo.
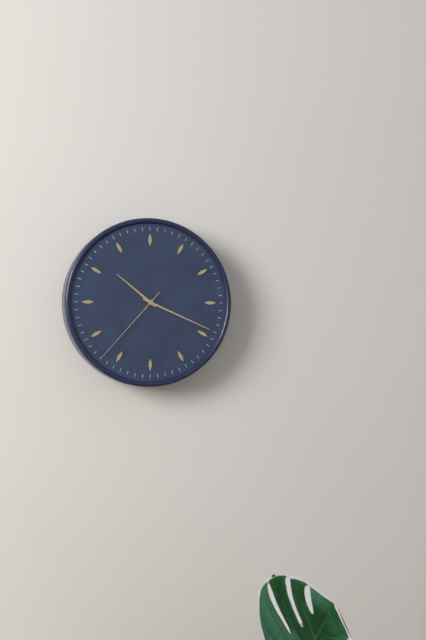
10:19:37
